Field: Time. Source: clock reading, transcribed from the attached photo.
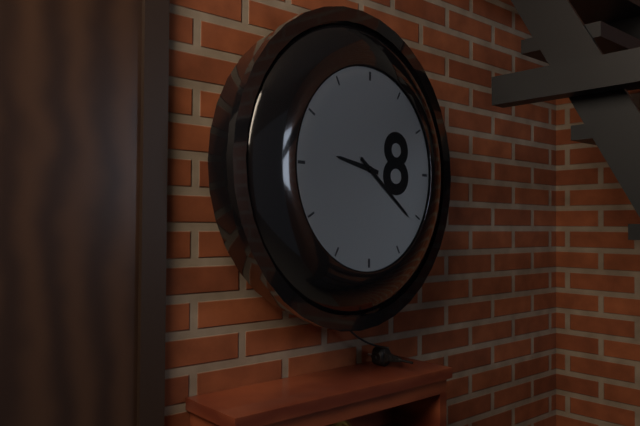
9:21
